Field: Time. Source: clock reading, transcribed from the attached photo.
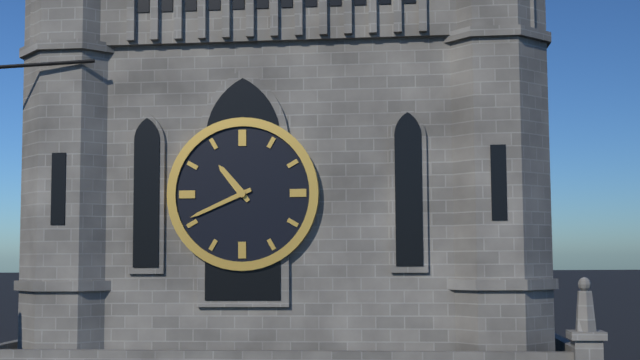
10:41
